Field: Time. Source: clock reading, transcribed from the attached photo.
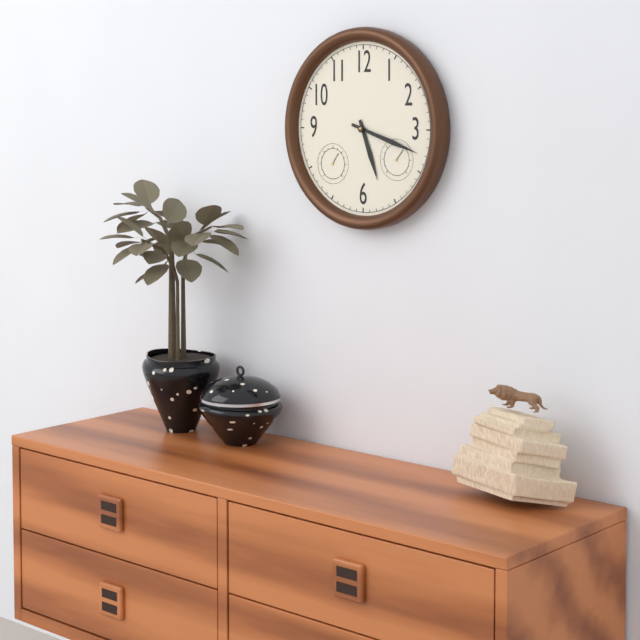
5:18
